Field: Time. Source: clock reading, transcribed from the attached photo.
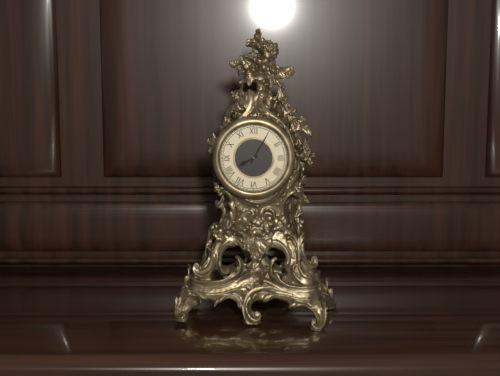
8:05
